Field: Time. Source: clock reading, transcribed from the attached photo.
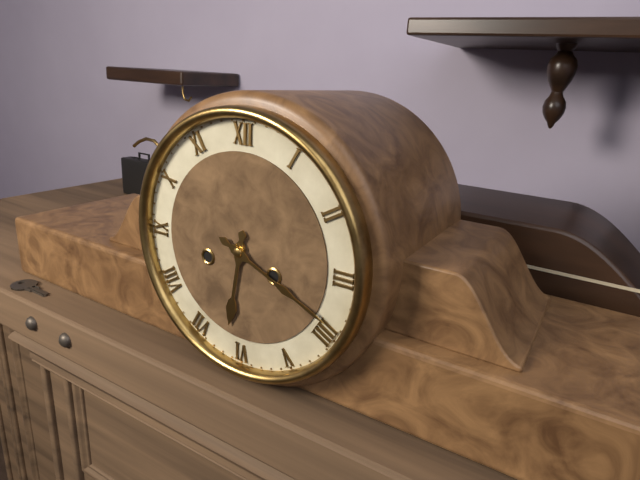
6:19
